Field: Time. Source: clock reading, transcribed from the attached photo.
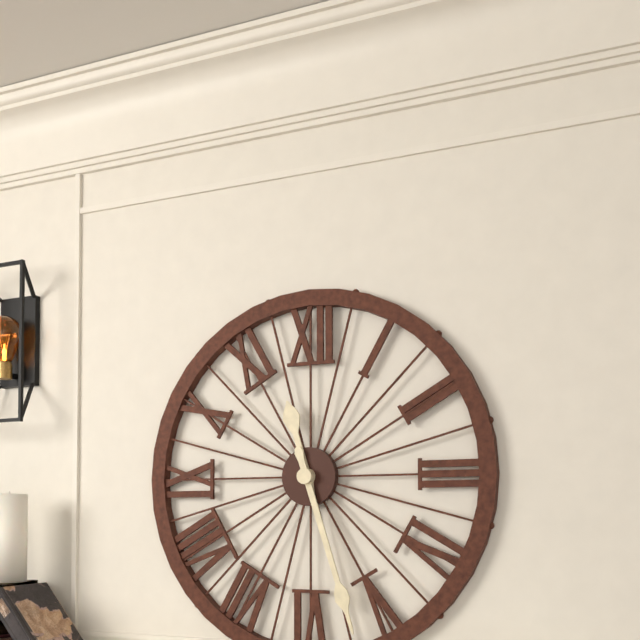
11:27
